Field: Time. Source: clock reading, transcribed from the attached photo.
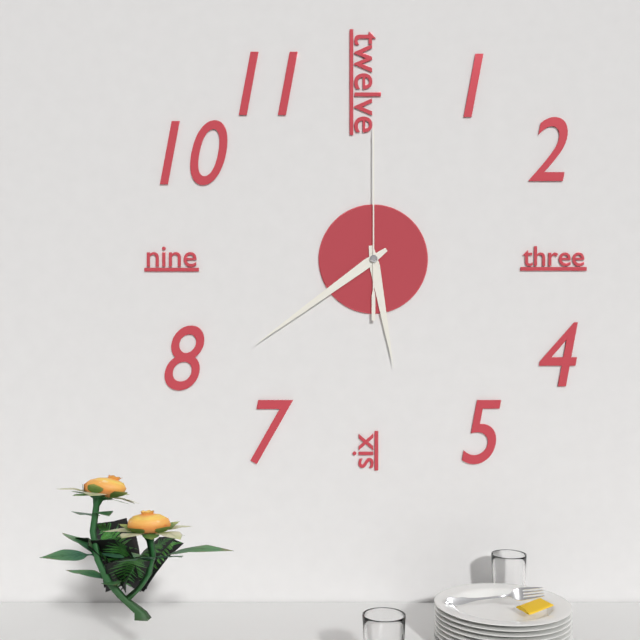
5:39:00
